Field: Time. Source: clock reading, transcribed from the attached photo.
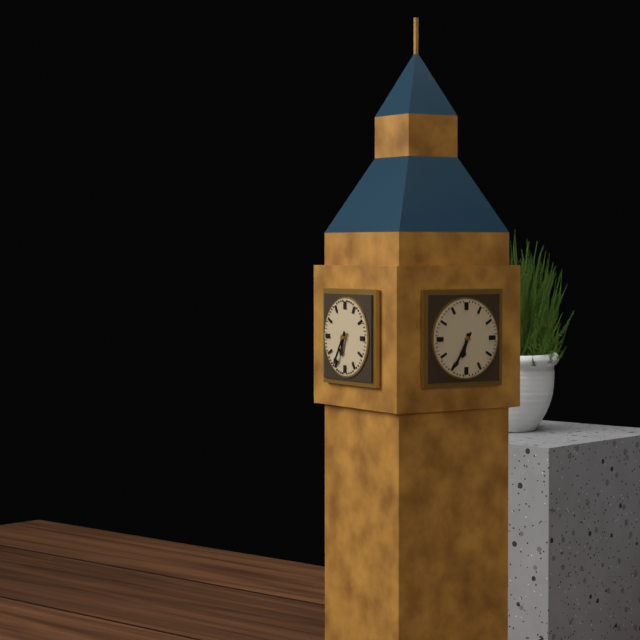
6:35
